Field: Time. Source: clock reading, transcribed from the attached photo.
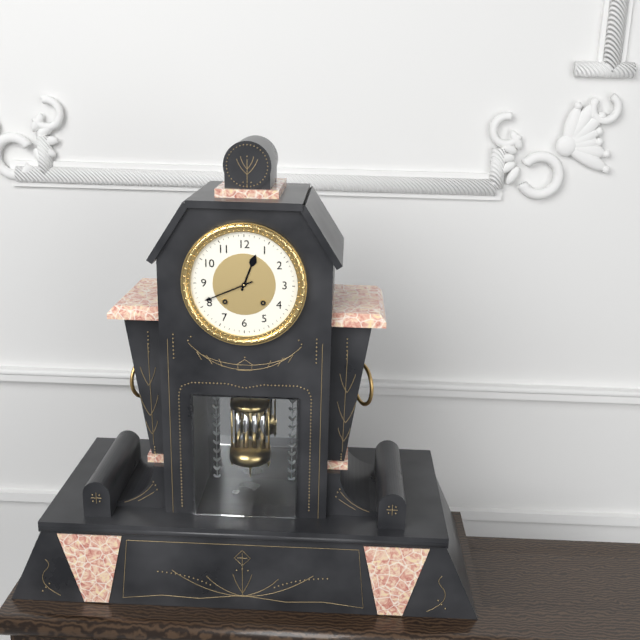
12:41
